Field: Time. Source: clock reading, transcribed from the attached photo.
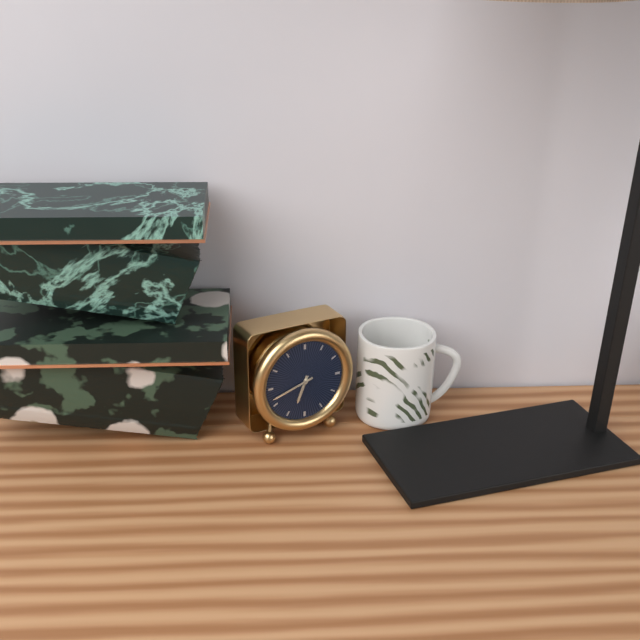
6:42
